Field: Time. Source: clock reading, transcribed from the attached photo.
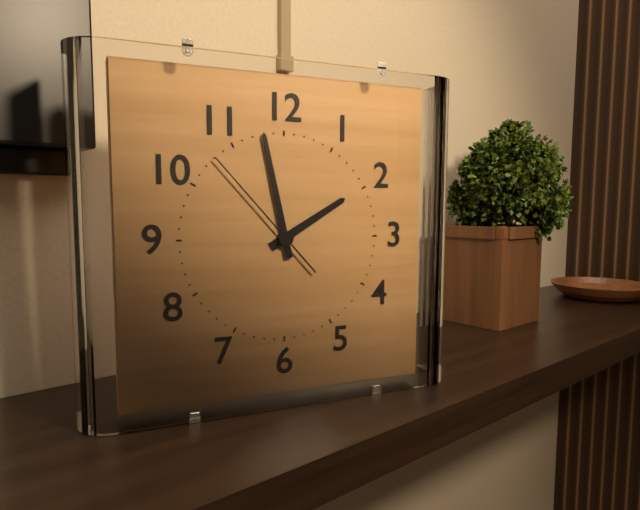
1:58:53
